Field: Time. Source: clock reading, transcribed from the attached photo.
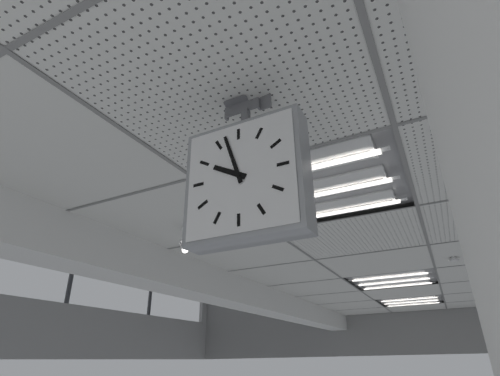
9:57
